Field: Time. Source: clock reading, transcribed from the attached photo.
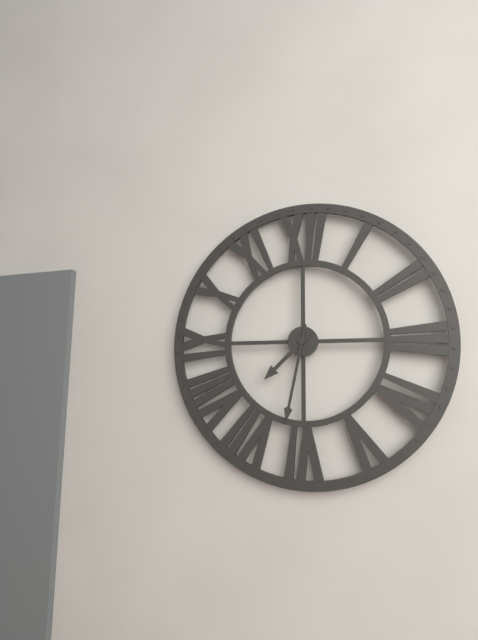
7:32
